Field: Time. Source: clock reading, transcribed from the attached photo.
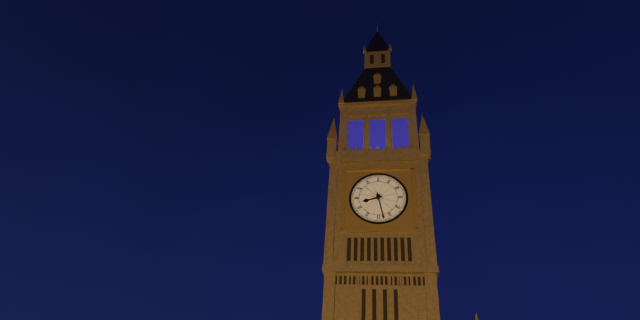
8:28
